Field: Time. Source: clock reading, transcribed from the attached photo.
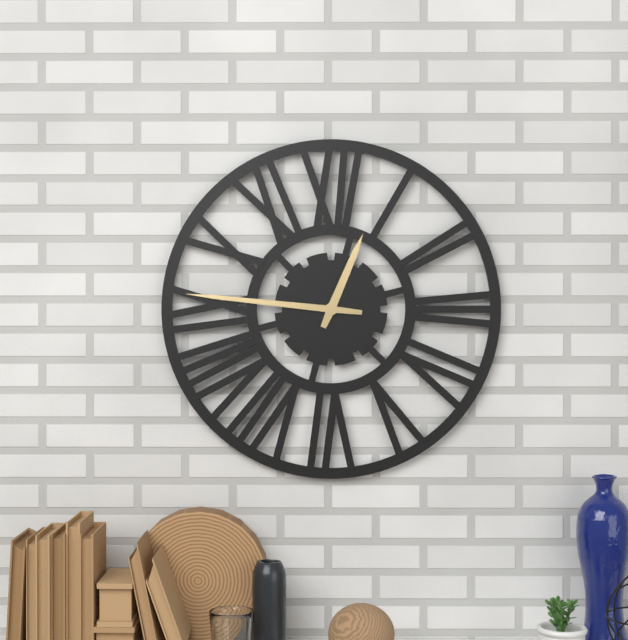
12:46
